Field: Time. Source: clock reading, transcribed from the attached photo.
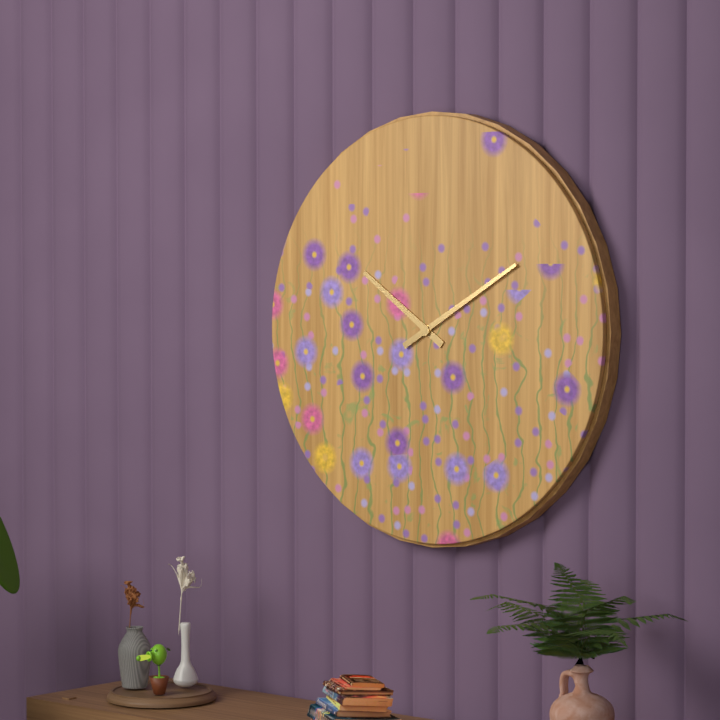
10:10
